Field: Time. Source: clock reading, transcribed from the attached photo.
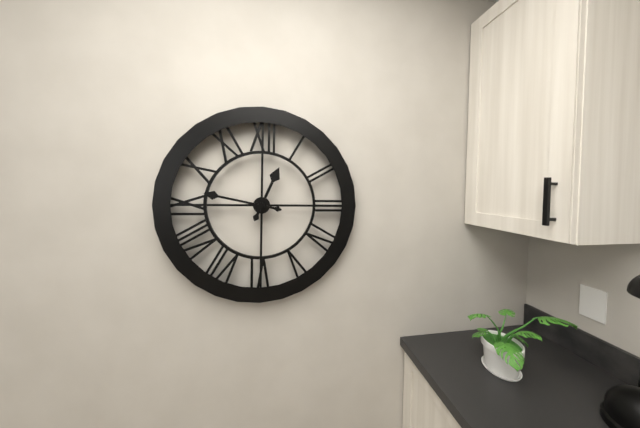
12:47
